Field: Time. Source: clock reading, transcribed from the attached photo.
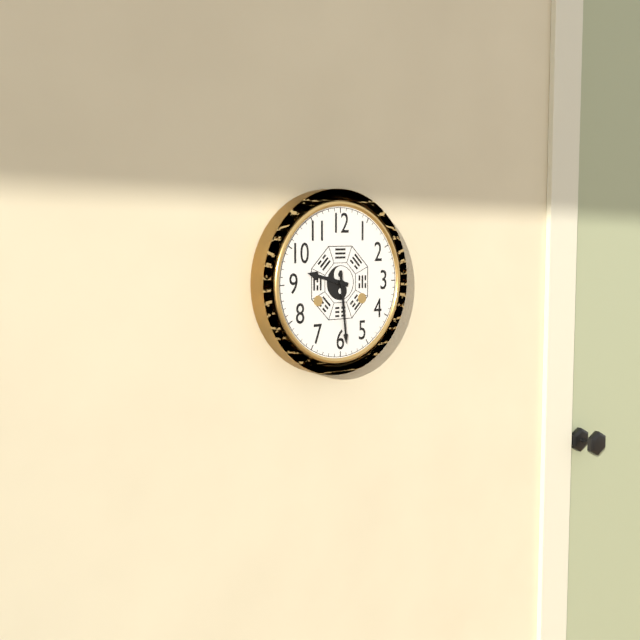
9:29
